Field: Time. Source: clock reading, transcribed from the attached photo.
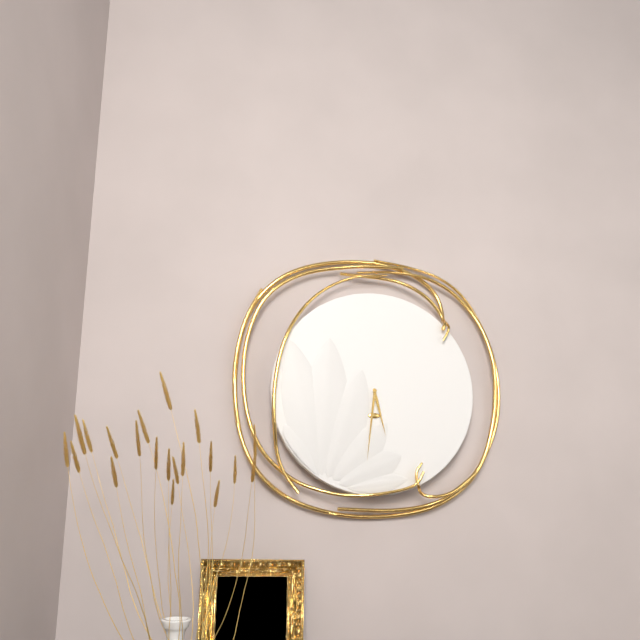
5:31
